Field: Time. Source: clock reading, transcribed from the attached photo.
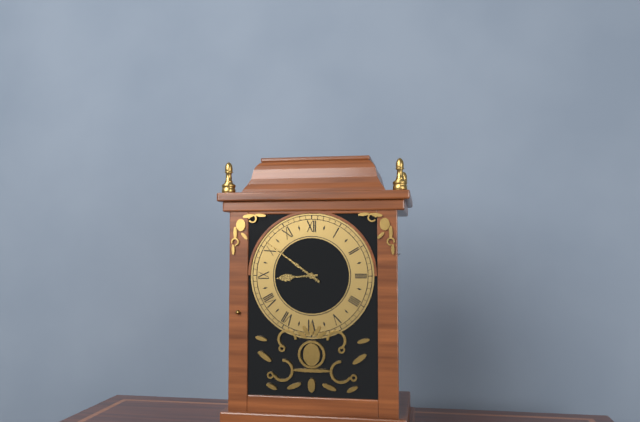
8:51
